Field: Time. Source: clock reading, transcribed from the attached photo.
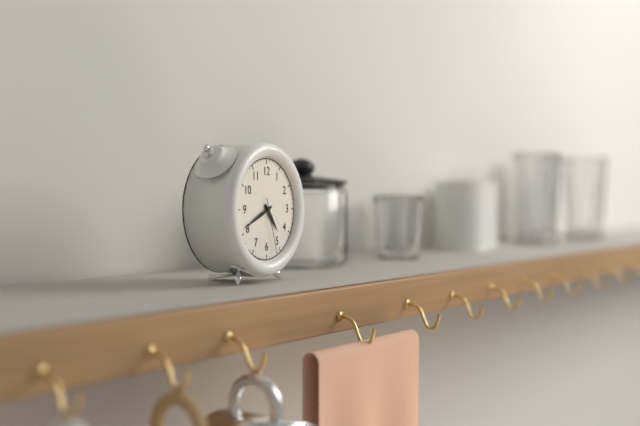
4:41:27
